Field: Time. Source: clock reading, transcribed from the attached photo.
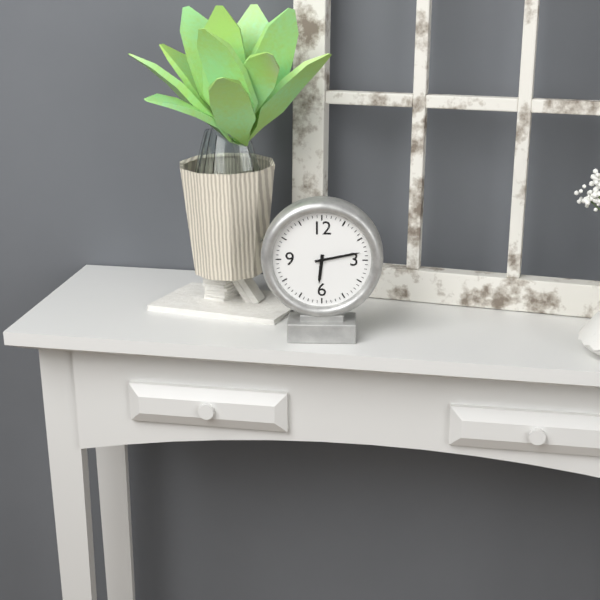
6:13
